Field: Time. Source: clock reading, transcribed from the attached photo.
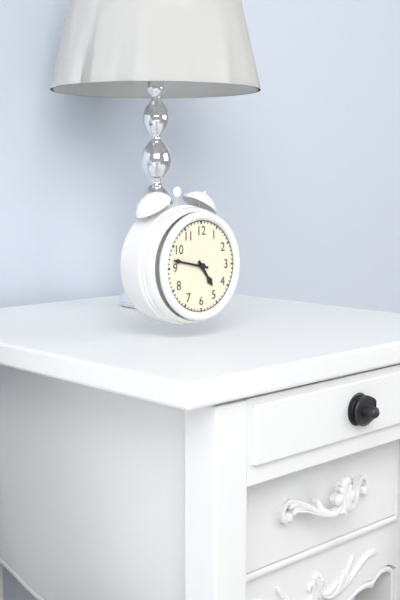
4:47
